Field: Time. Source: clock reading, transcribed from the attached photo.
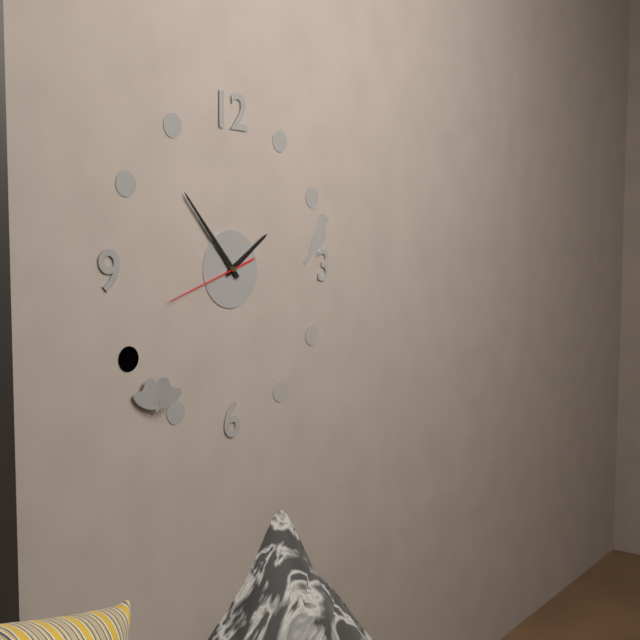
1:53:42
